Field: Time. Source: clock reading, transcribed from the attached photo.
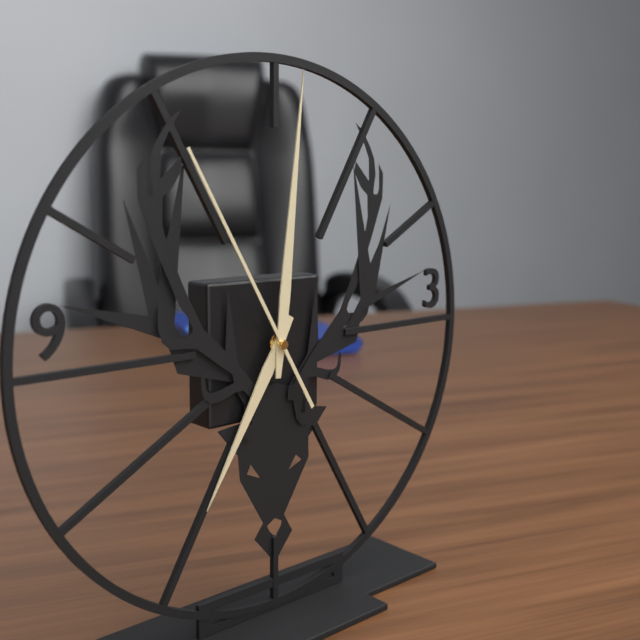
7:01:55
